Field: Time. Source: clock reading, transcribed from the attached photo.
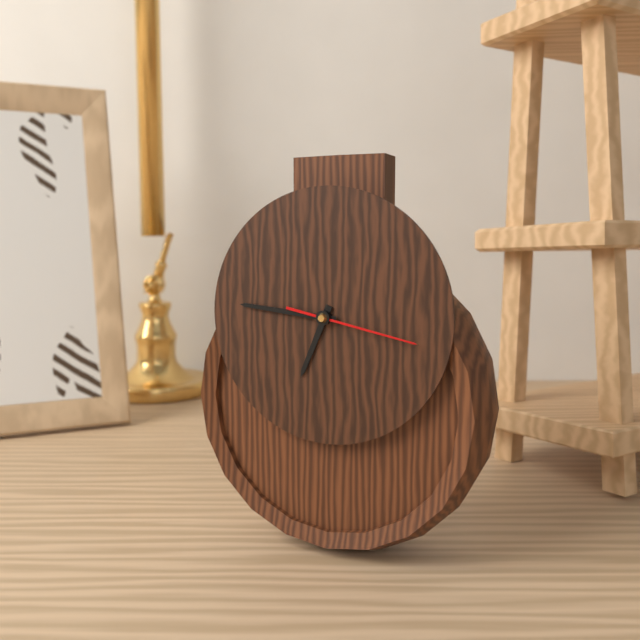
6:46:17
